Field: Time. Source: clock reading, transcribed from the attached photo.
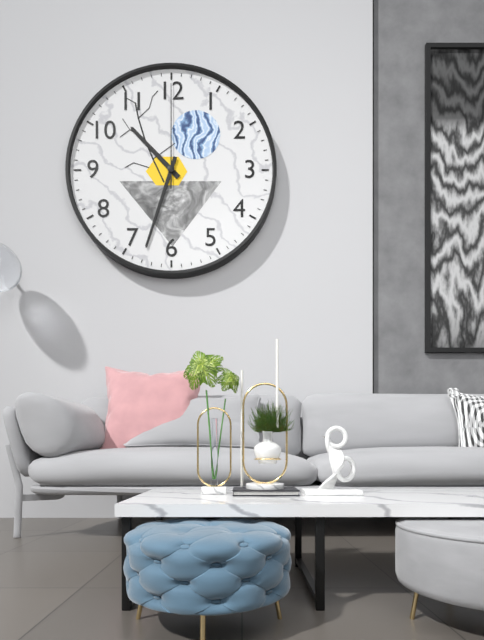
10:33:00
